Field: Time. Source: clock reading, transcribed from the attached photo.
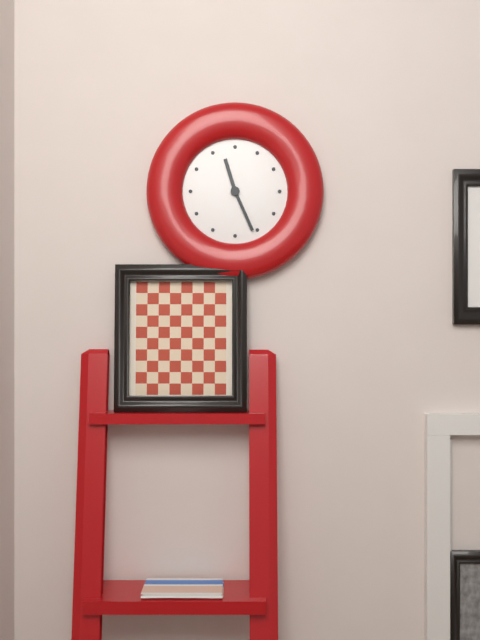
11:26
